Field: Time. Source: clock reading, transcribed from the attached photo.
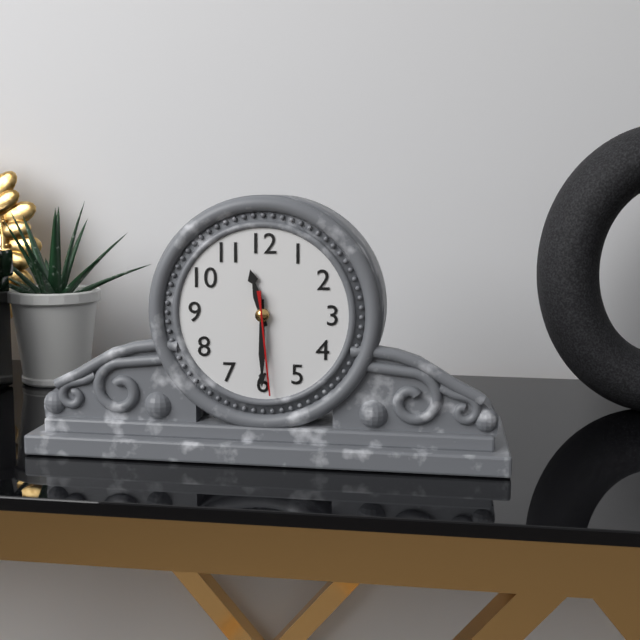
11:30:29
